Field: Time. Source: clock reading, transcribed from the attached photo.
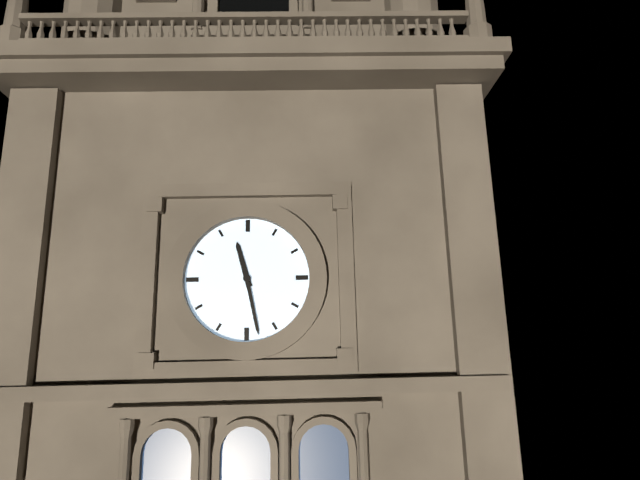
11:28
